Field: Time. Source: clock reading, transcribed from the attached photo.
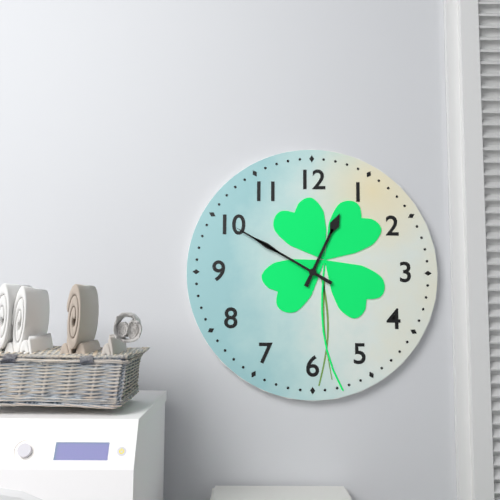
12:50
